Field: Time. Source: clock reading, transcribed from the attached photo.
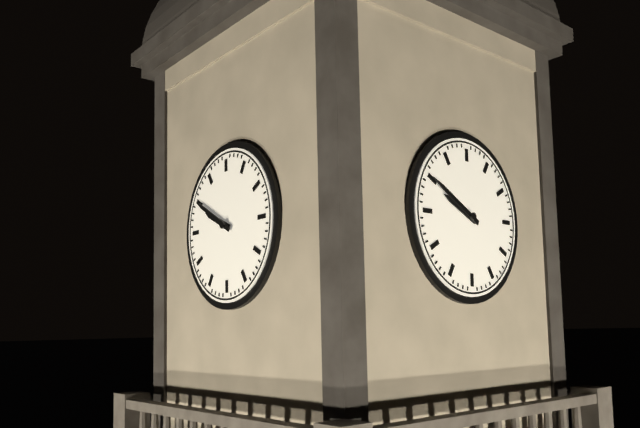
9:50
